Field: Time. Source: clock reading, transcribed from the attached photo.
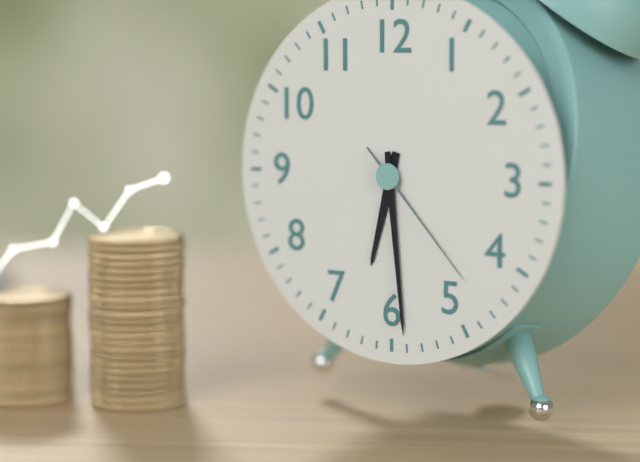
6:29:23
